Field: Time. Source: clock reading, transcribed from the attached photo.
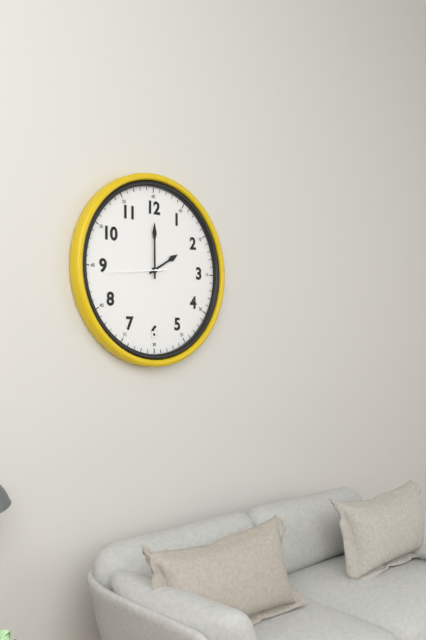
2:00:44
